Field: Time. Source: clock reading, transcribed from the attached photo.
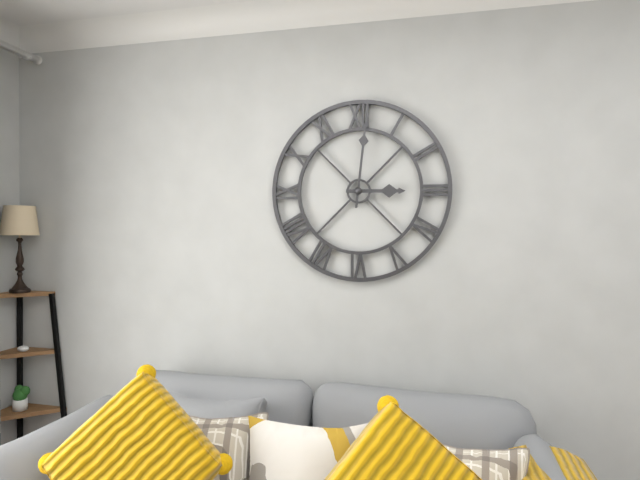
3:01
